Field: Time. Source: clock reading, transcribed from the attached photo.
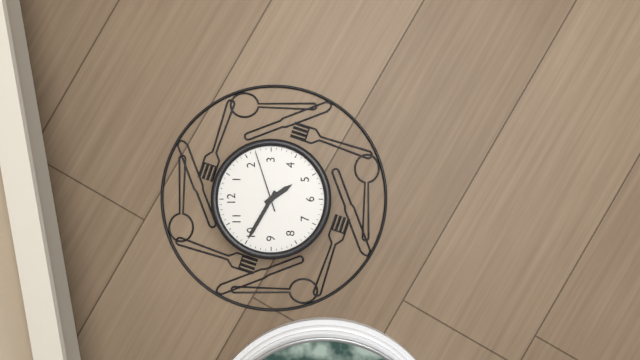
4:50:12
